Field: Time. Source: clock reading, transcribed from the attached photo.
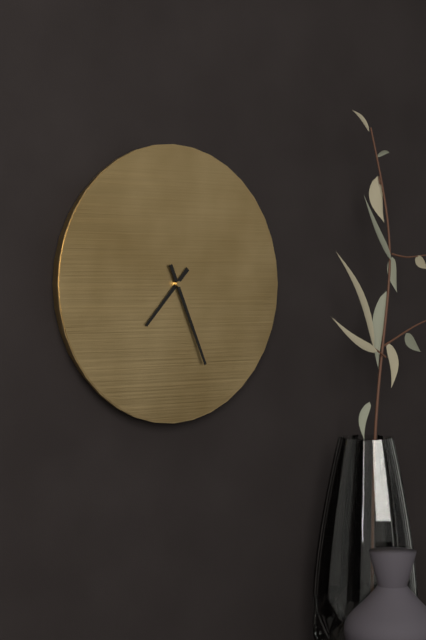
7:26
